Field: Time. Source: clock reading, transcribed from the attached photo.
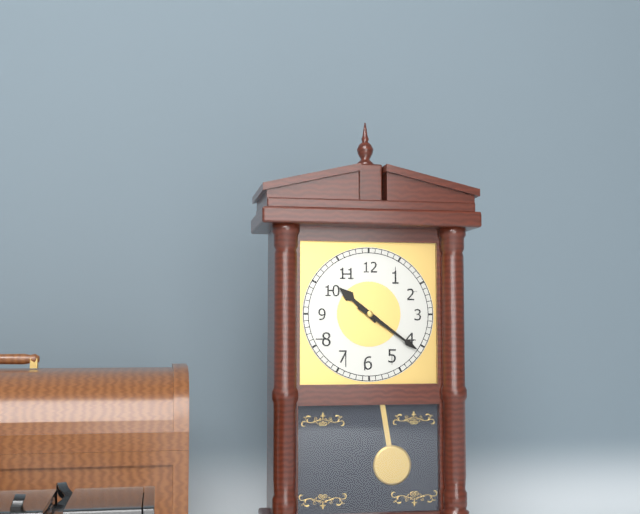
10:21
